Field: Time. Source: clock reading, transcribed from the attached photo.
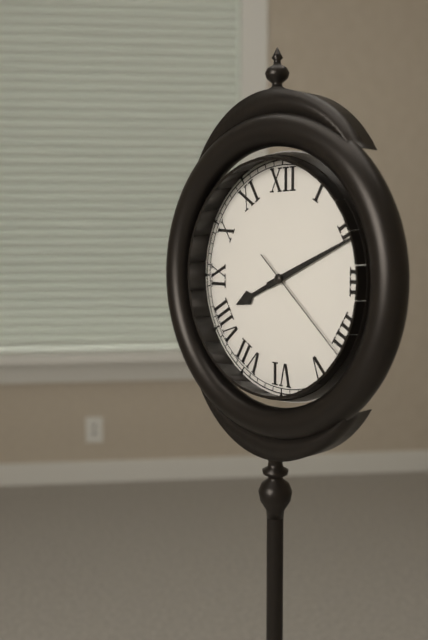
8:11:22
